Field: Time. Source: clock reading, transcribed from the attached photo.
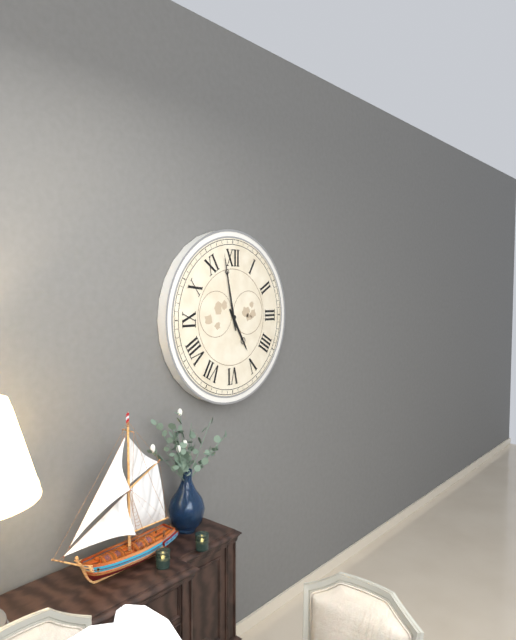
4:58
